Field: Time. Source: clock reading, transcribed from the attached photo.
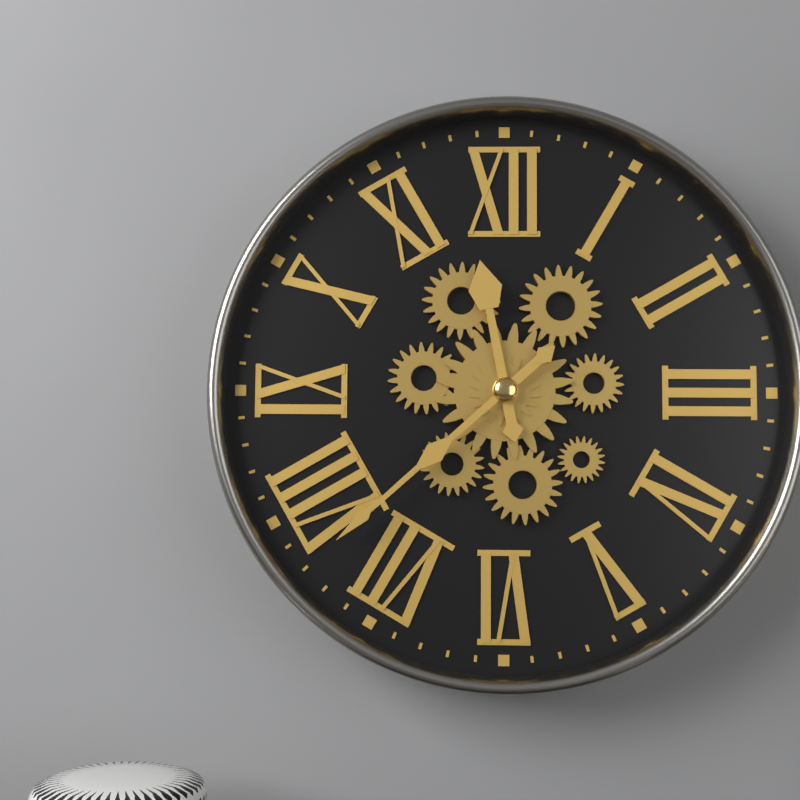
11:38
